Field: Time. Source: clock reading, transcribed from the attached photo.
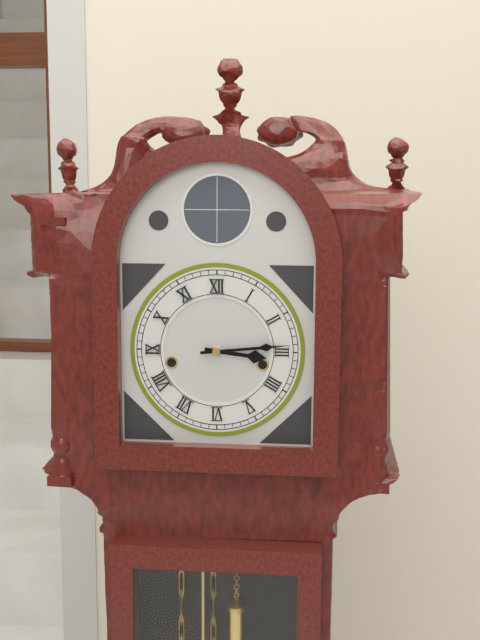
3:14
